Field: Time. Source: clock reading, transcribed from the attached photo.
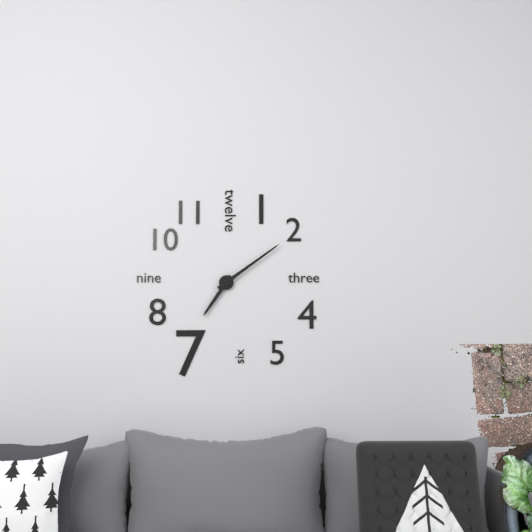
7:09
